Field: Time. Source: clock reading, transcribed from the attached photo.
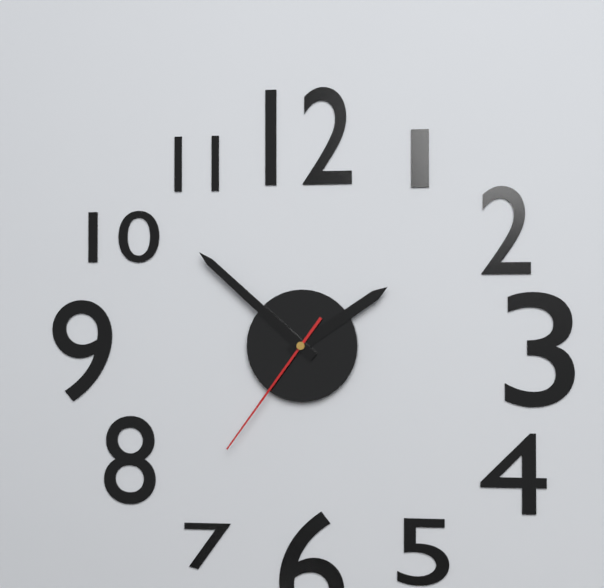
1:52:36
